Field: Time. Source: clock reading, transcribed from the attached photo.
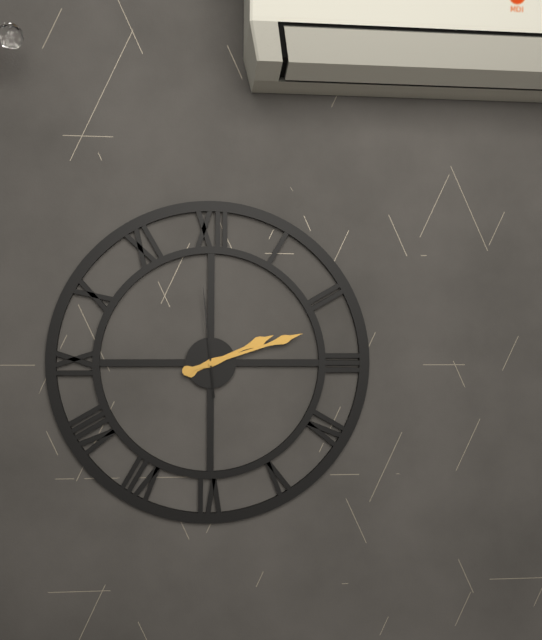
2:12:59
